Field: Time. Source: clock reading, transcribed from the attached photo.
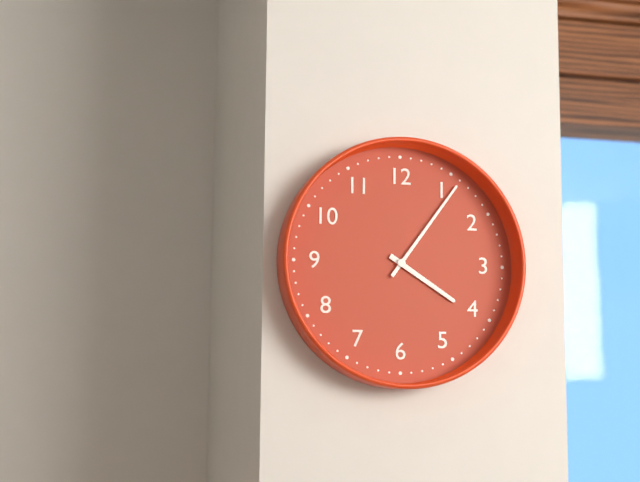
4:06
